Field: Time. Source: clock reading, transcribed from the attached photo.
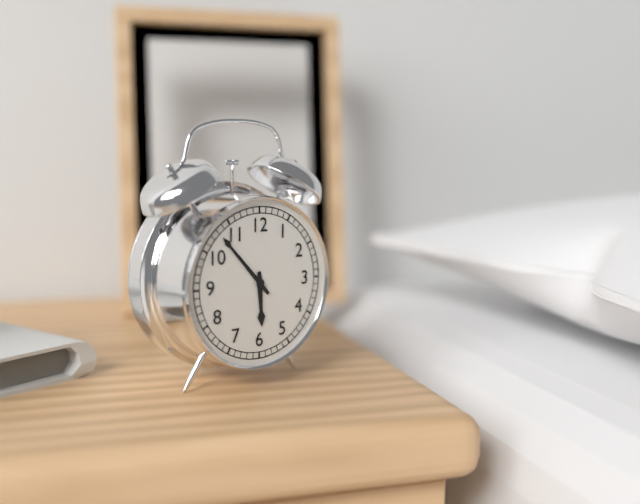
5:53
